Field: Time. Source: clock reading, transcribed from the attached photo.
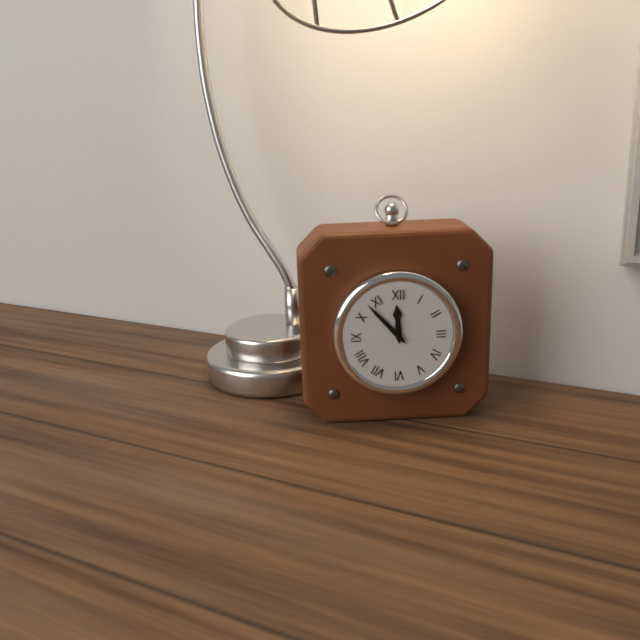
11:53
